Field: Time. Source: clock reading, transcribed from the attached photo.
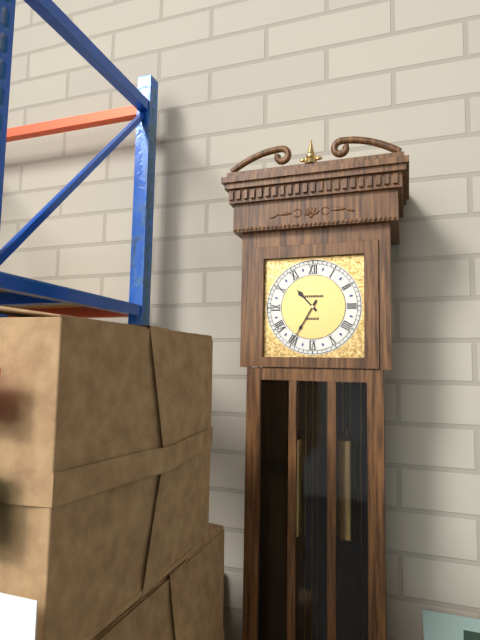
10:35
